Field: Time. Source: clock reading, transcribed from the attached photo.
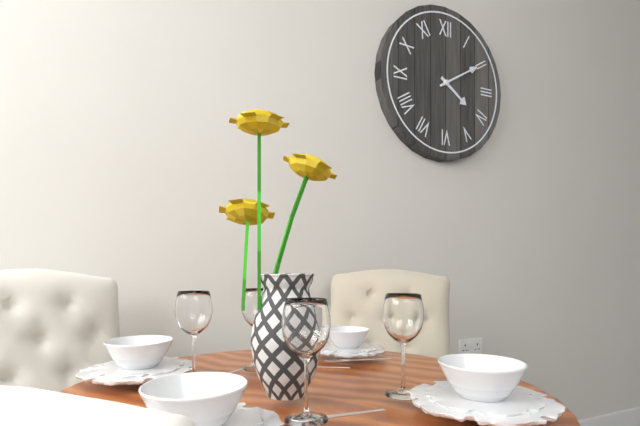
4:10
